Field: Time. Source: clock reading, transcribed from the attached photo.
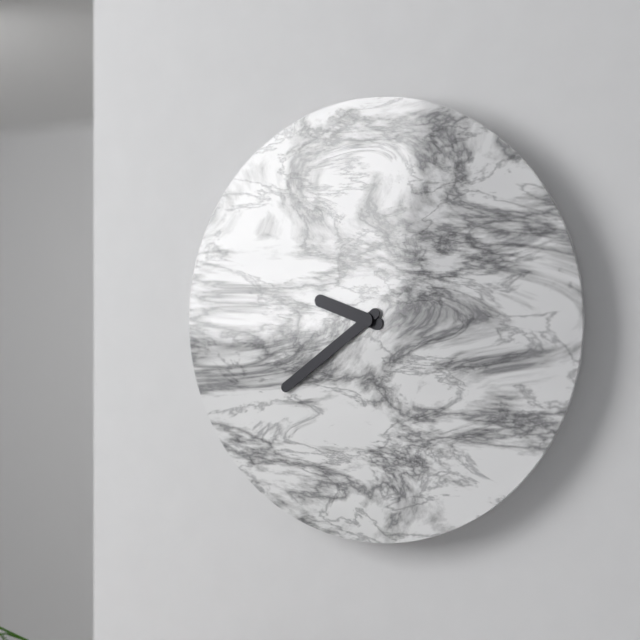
9:39
